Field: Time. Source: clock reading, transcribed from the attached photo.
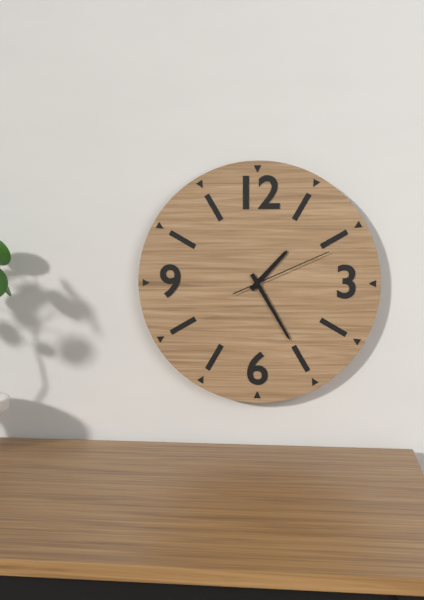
1:25:11
